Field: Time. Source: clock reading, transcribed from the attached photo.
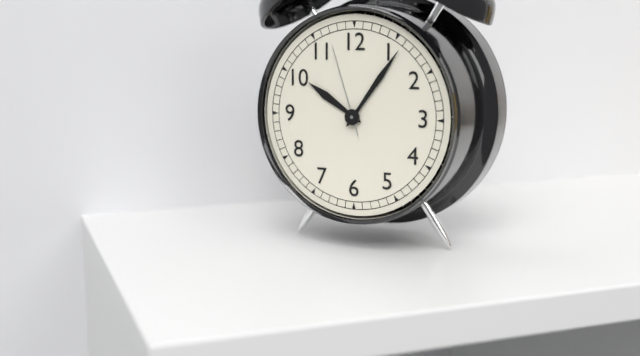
10:06:57
